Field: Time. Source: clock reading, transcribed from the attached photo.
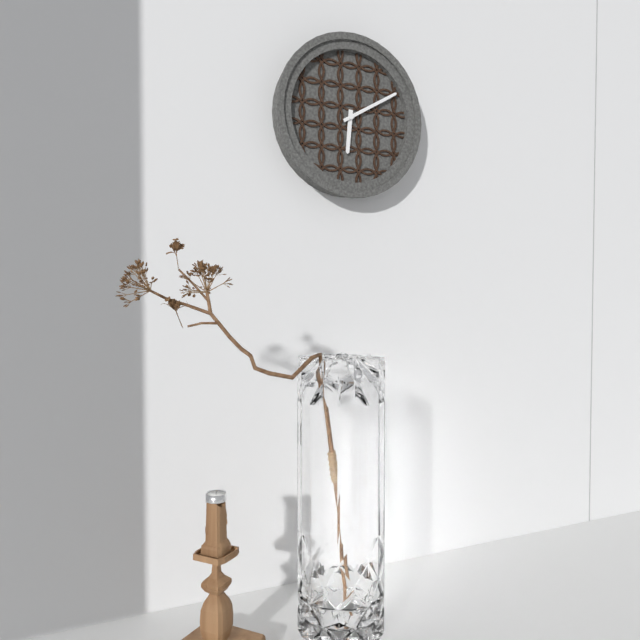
6:10
